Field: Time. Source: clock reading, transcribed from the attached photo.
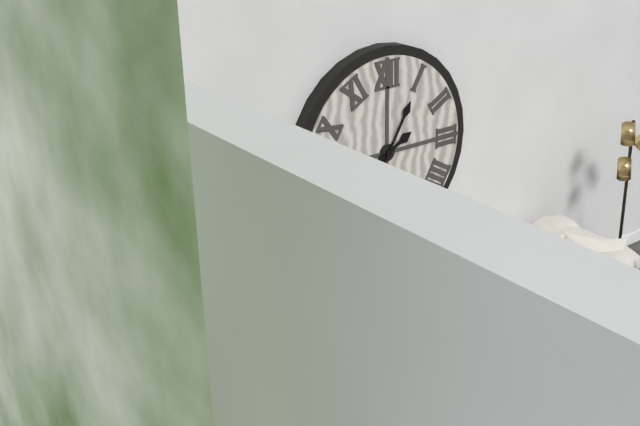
2:05
